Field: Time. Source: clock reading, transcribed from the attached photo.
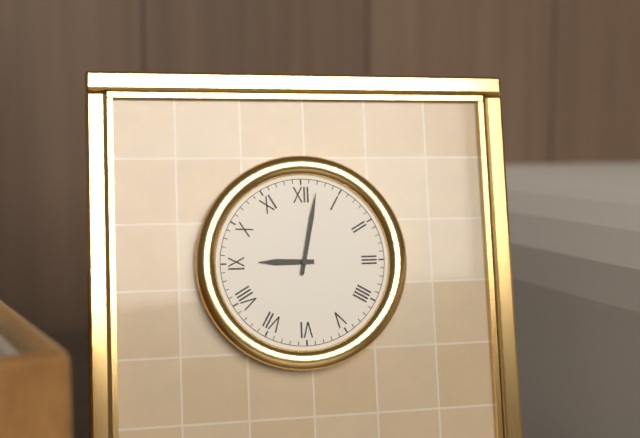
9:02
